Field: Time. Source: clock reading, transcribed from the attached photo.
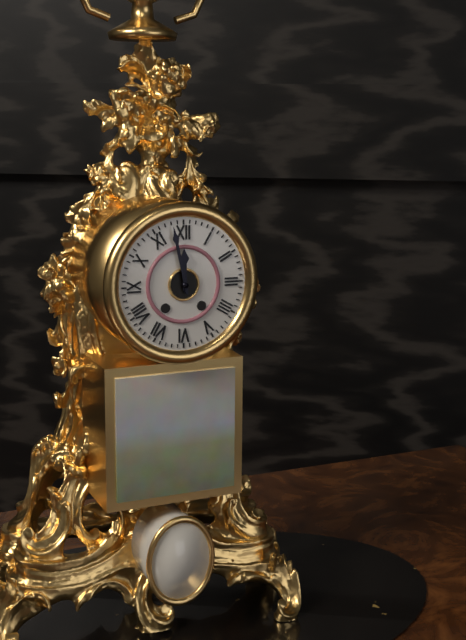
11:58
